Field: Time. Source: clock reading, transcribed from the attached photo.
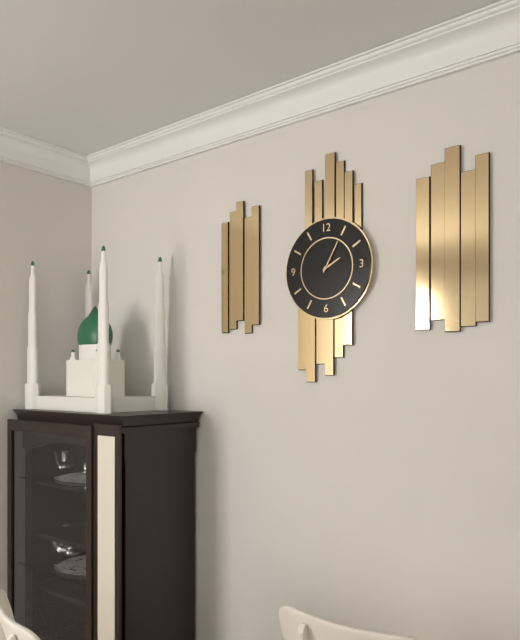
2:05
